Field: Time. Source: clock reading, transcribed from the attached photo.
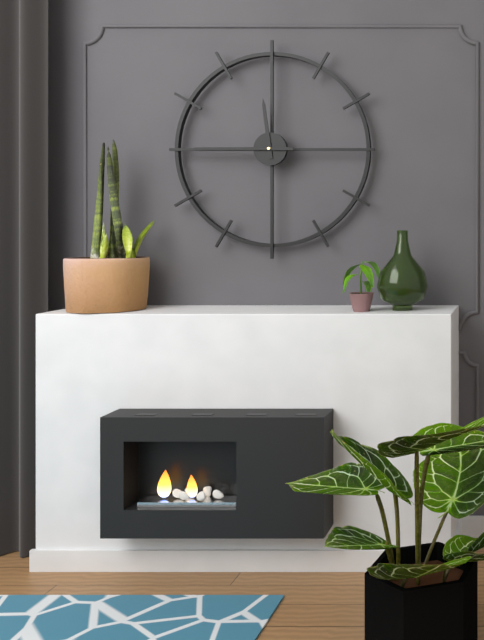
11:45
